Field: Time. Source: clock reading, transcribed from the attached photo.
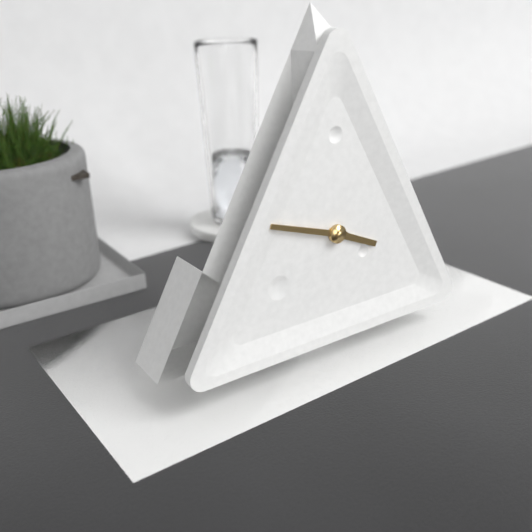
3:48
